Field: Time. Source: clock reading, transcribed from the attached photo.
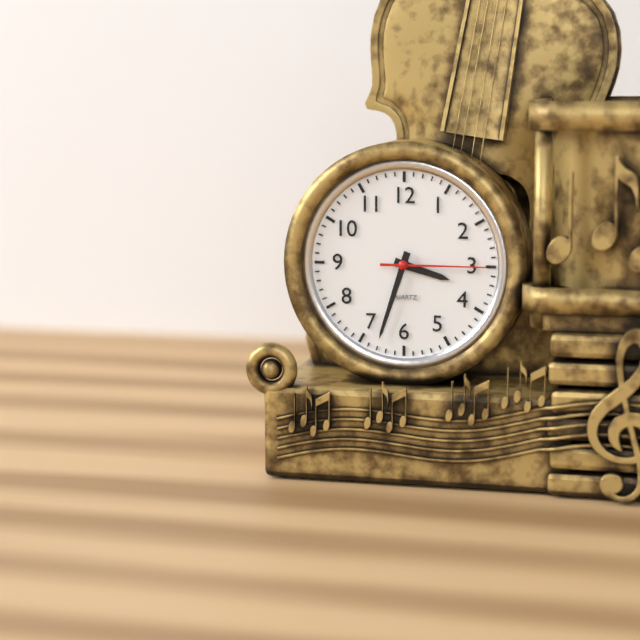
3:33:15
